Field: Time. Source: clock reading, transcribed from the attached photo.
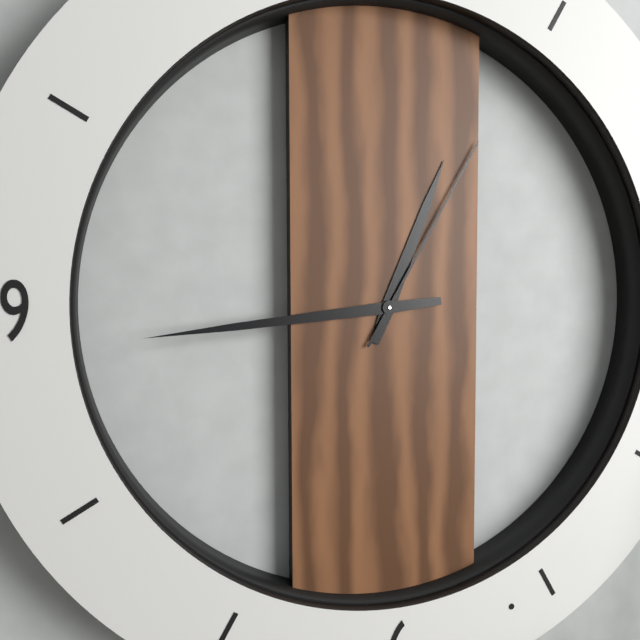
12:44:05
